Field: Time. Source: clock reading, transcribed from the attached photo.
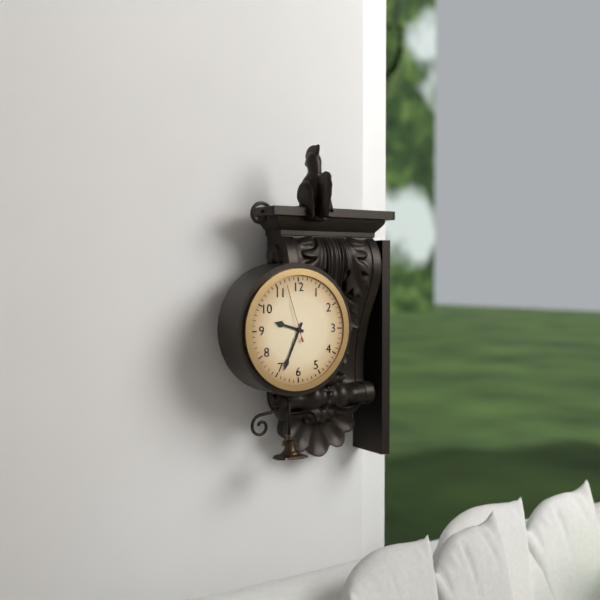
9:34:57
